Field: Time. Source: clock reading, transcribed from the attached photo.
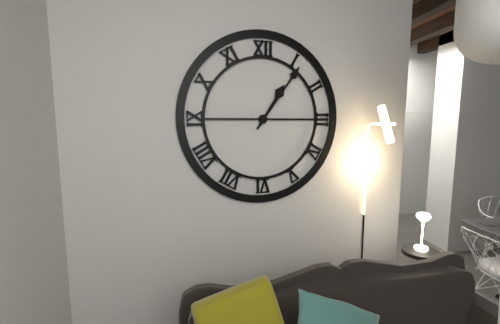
1:06
